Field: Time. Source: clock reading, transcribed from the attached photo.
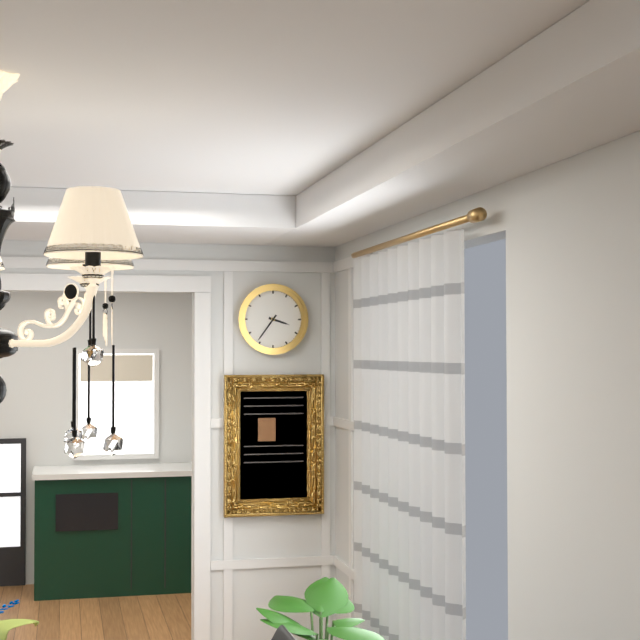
3:36
